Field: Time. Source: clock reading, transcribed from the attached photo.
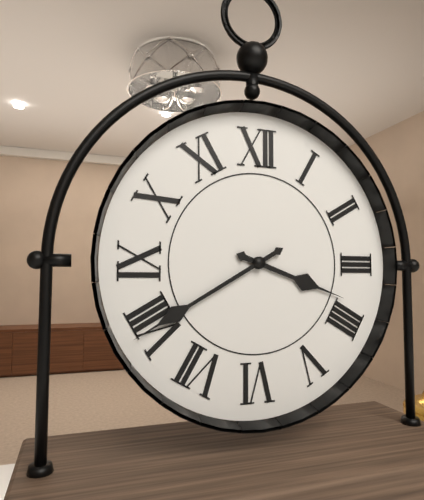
3:40
